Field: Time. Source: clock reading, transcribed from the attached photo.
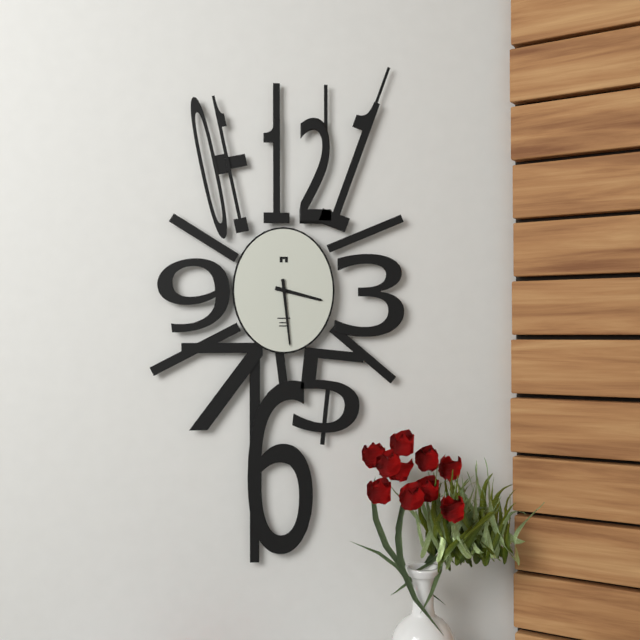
3:29
